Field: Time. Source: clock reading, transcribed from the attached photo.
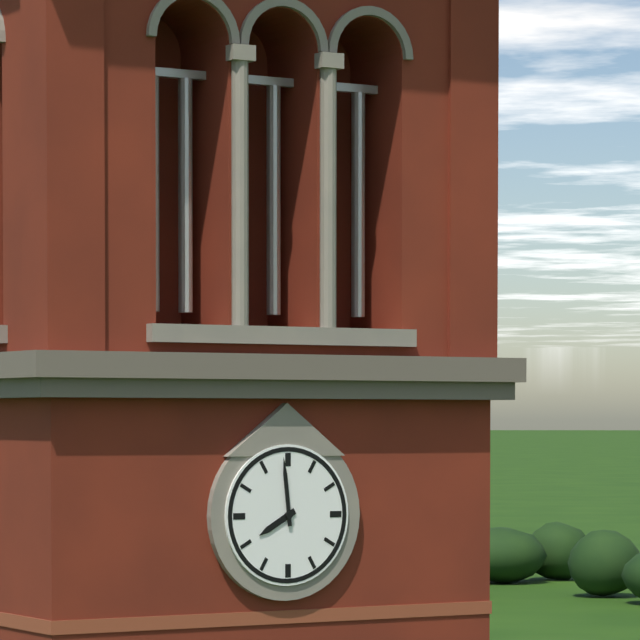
7:59
